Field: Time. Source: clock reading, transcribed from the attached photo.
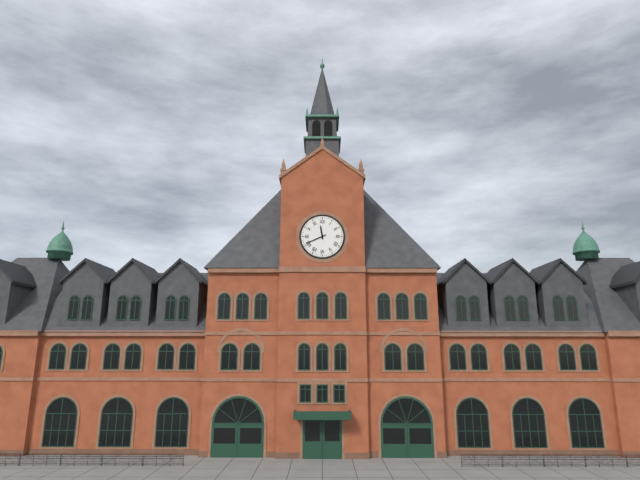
11:41
